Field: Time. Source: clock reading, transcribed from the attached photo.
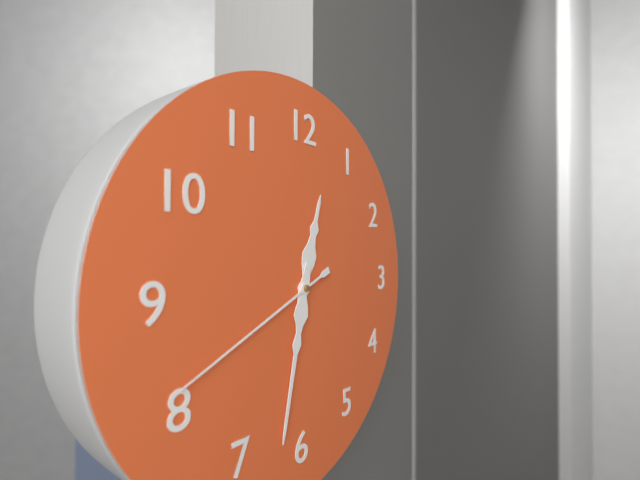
12:32:41
